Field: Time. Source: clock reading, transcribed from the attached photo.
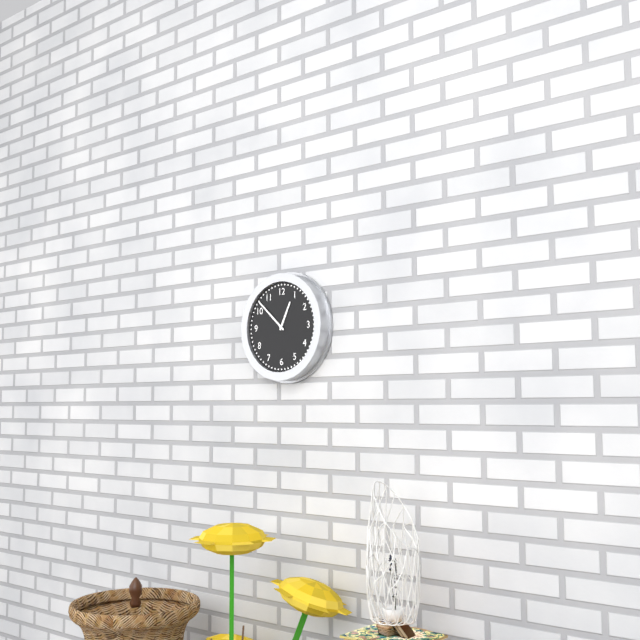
12:52
